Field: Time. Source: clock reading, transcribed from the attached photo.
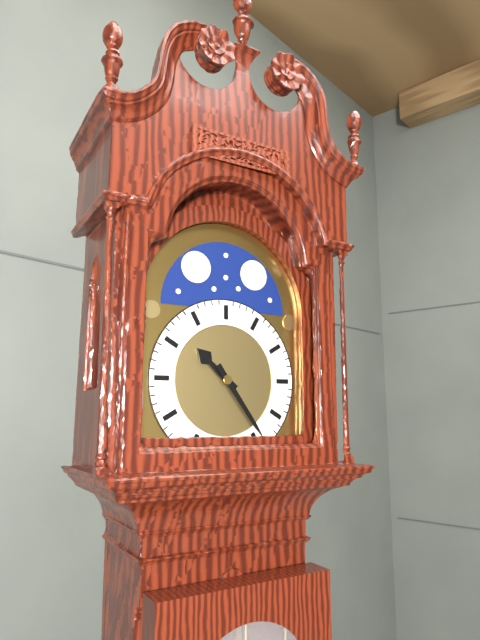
10:24
